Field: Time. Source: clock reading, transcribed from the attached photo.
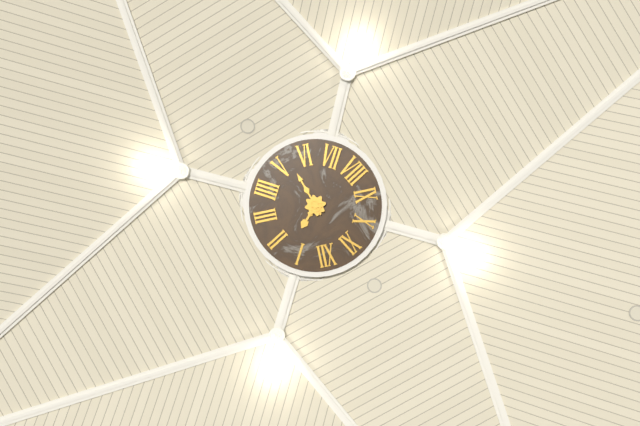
1:27
